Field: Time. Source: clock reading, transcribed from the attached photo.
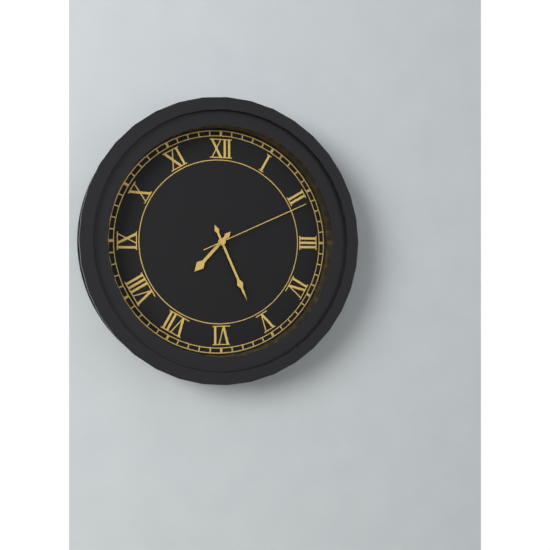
7:26:11
